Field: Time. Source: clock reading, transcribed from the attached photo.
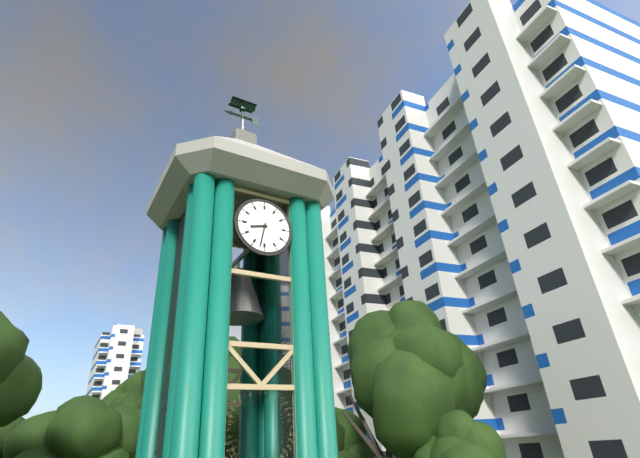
8:32
